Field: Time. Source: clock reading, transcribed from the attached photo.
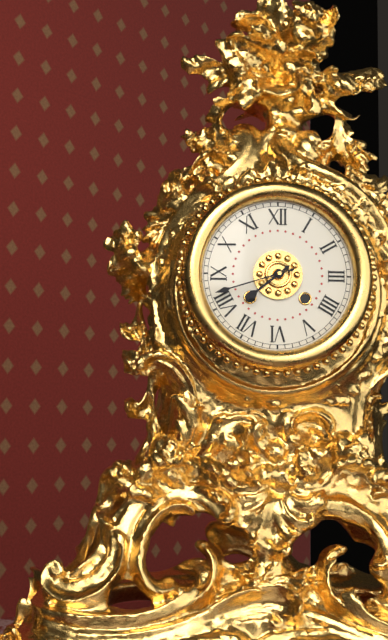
7:42
